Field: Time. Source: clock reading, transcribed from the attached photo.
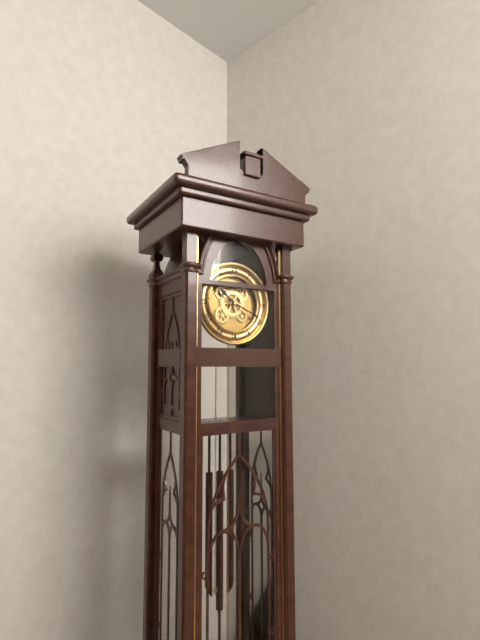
10:19
